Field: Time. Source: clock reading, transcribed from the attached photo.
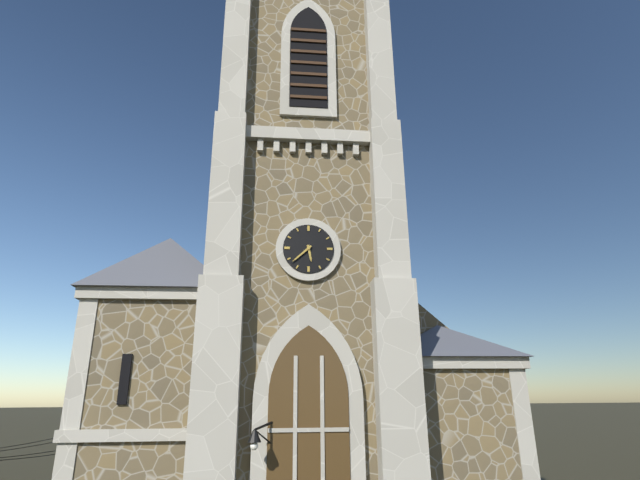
5:38
